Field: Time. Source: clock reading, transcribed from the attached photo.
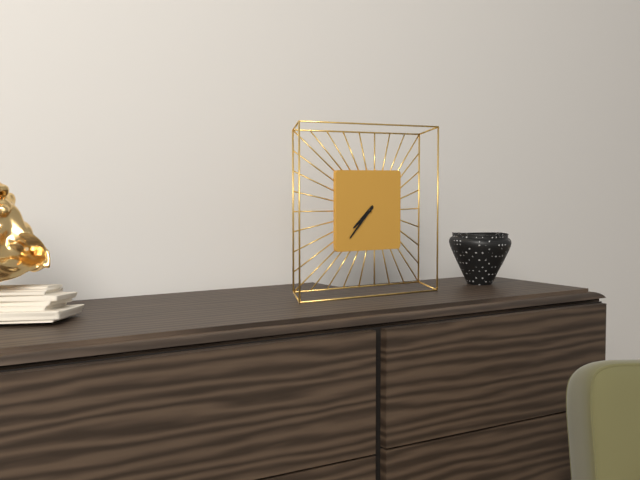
7:37
